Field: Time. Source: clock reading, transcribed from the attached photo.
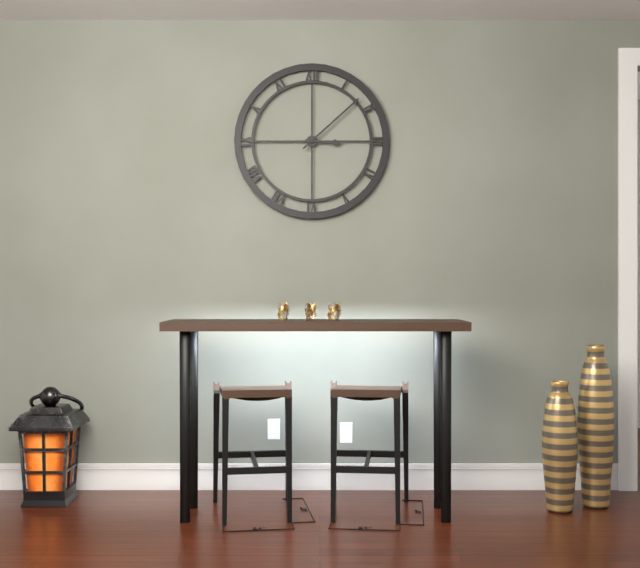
3:08
